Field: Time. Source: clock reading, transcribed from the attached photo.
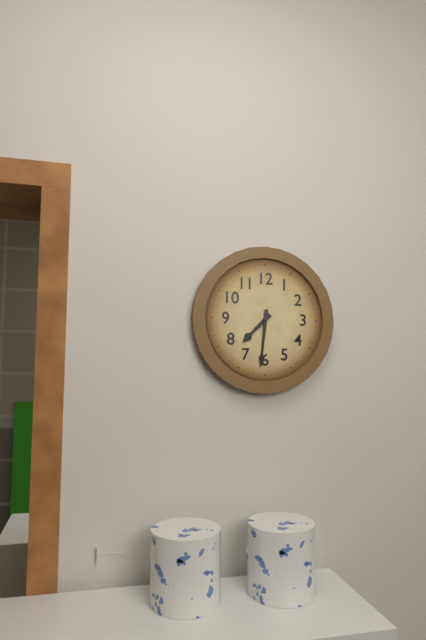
7:31
